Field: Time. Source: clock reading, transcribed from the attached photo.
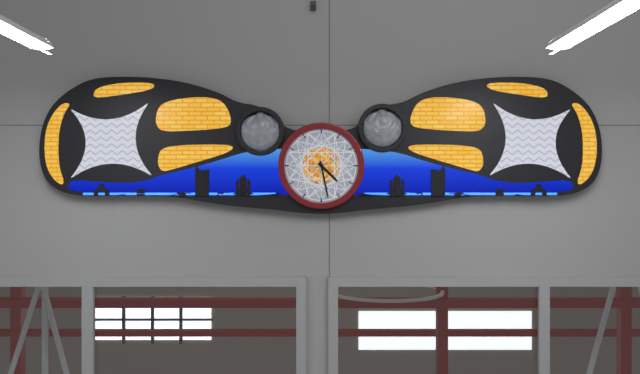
4:28
